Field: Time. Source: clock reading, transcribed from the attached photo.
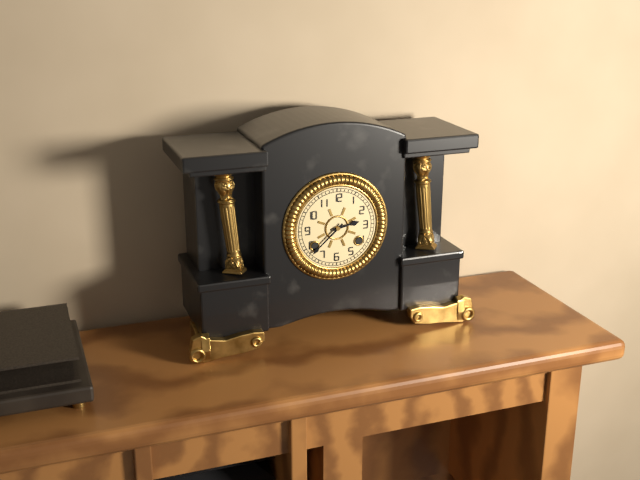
2:38
